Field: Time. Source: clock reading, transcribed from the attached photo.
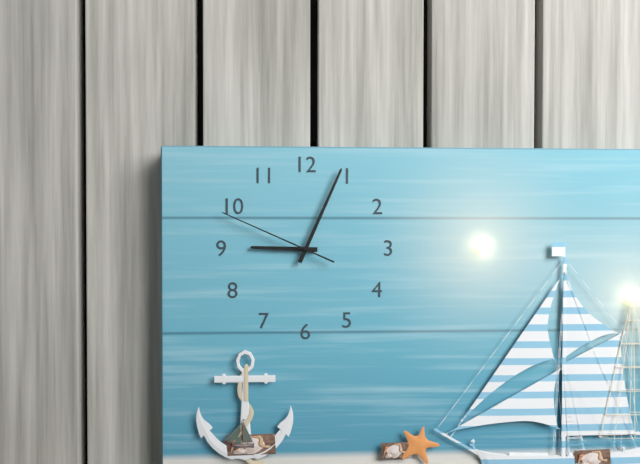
9:04:49
